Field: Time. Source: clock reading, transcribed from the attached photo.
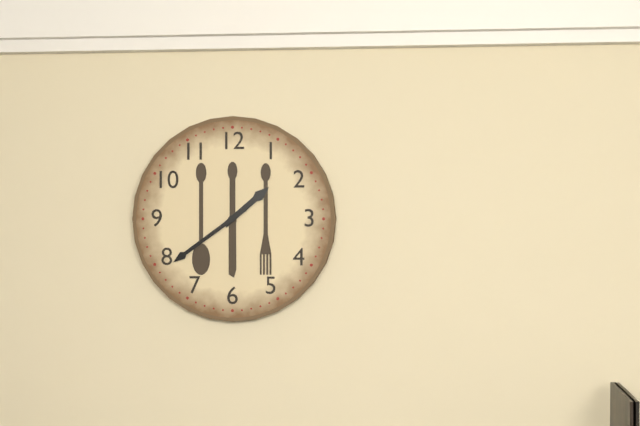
1:39
